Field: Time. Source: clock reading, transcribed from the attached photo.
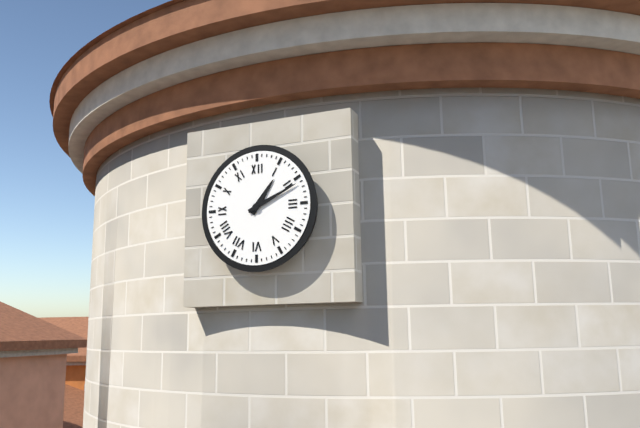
1:11
